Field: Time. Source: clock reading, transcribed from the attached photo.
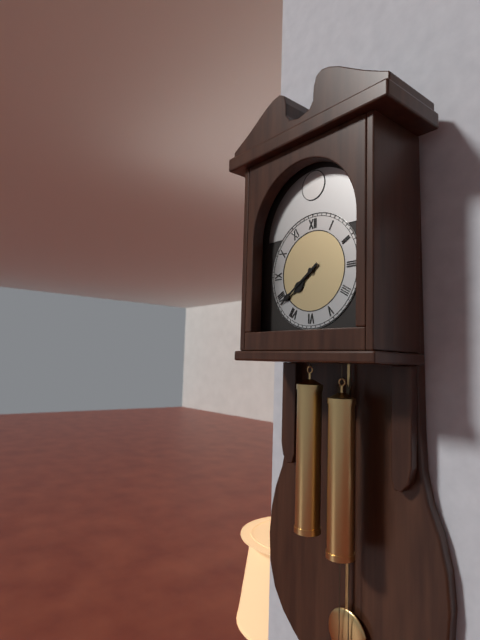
7:39
